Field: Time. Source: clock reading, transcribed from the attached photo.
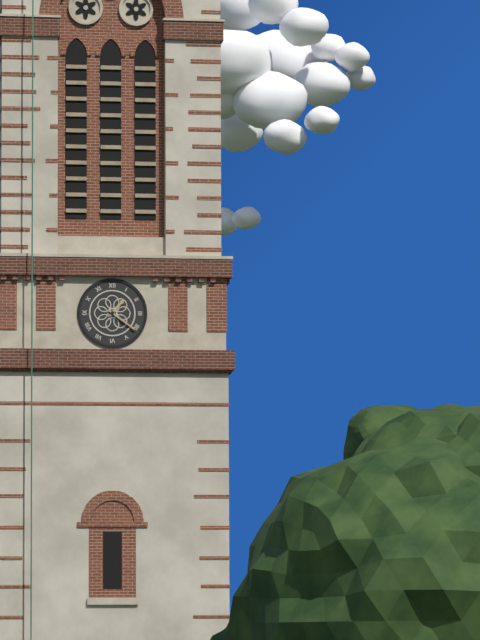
1:21
